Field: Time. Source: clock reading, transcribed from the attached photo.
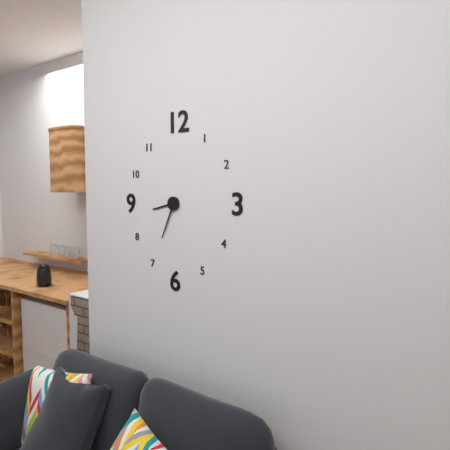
8:34
